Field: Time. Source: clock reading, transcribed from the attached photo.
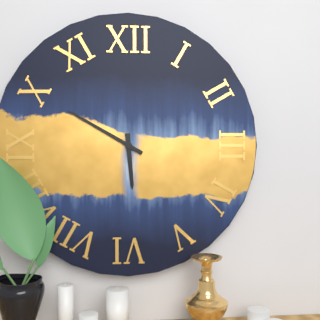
5:50
